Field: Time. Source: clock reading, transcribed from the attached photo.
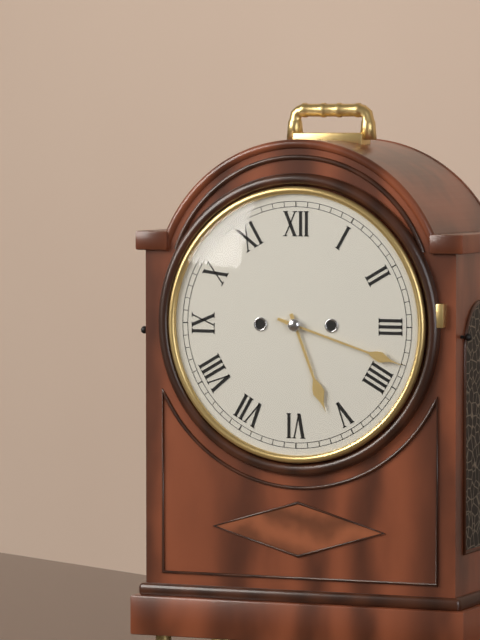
5:18
